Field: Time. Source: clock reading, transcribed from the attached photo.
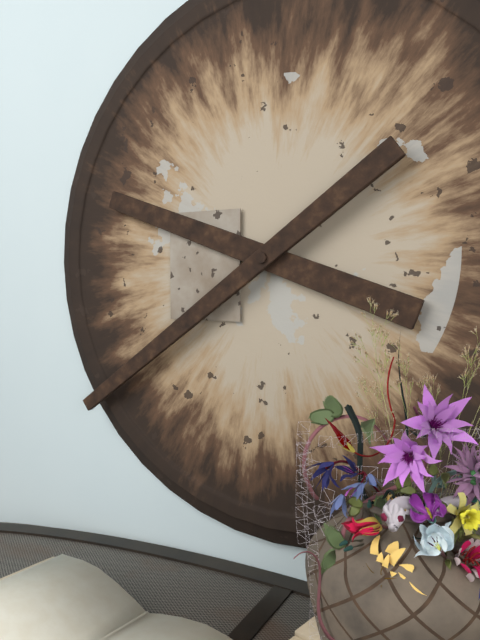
9:39
